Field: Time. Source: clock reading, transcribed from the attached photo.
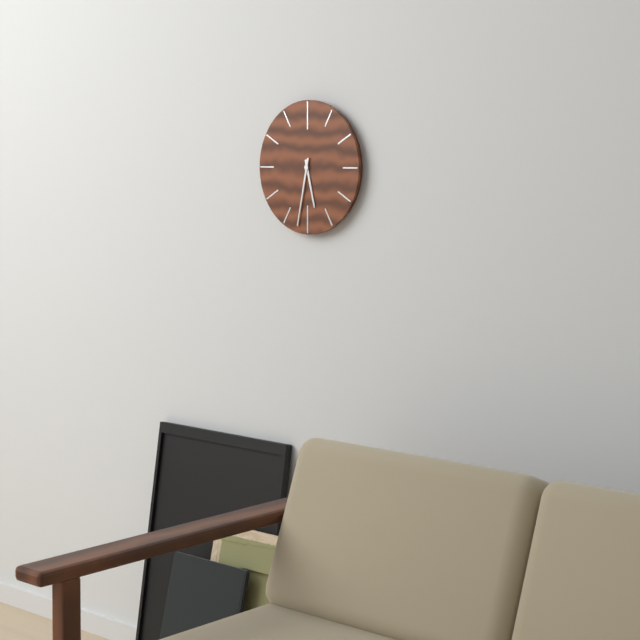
5:32
